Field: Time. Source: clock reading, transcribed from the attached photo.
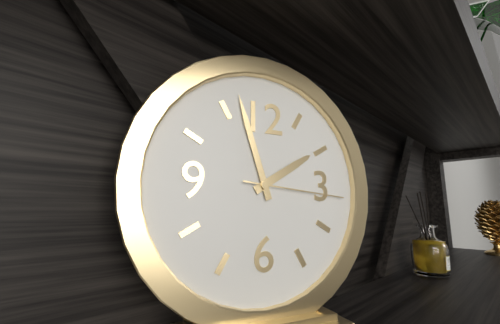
1:57:16
